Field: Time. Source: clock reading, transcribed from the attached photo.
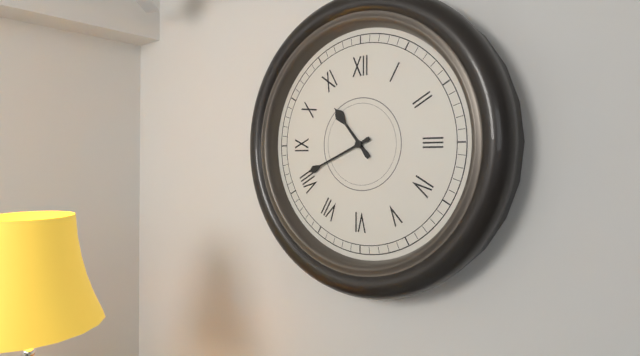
10:41
